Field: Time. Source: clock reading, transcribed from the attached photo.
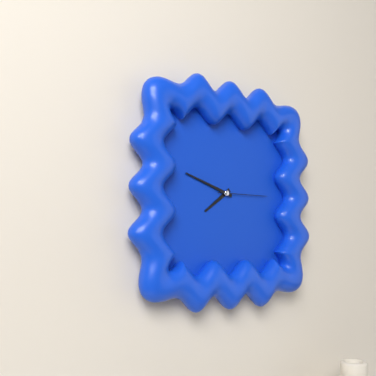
7:48:15
